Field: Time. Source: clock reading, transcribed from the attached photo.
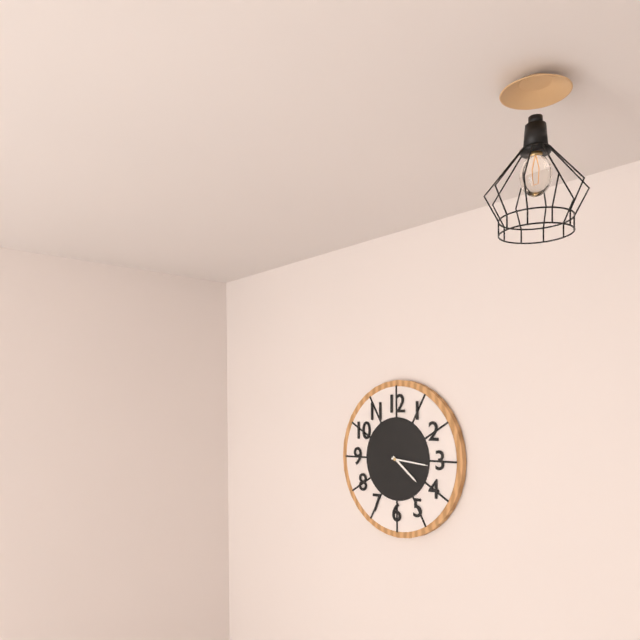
4:16
